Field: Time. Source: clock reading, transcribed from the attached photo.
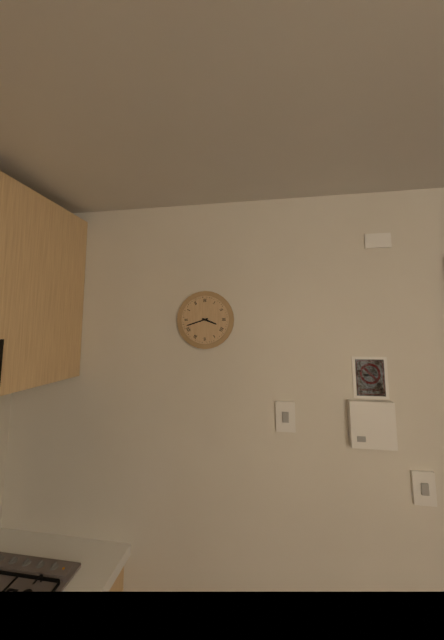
3:42
